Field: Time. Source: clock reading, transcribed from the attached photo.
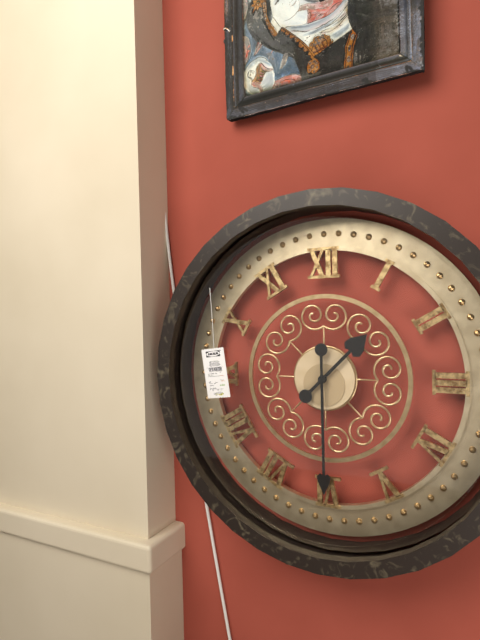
1:30
